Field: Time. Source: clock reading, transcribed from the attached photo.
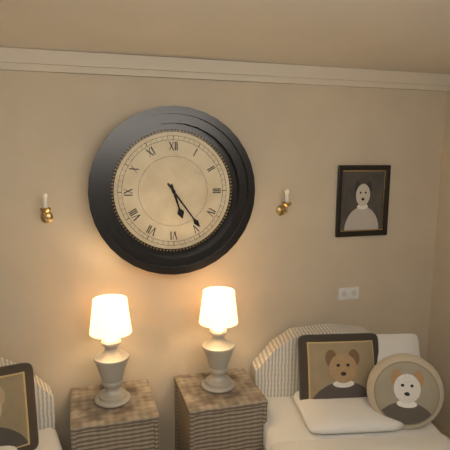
5:24
